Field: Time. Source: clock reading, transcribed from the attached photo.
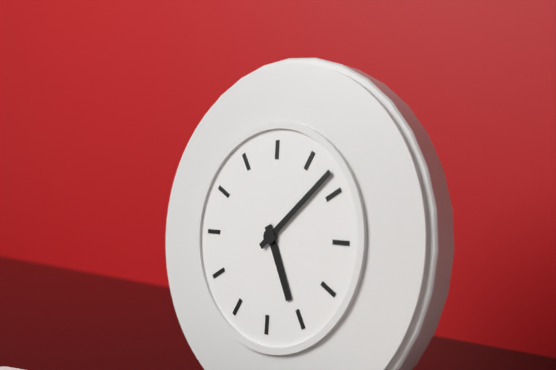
5:08
